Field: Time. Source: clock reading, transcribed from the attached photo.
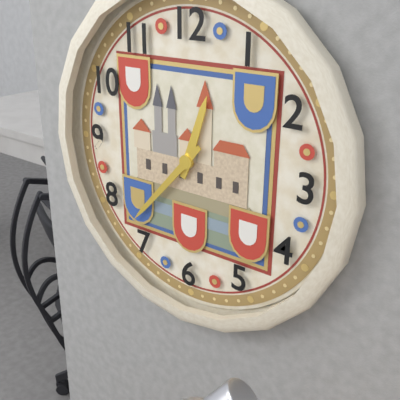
12:37
